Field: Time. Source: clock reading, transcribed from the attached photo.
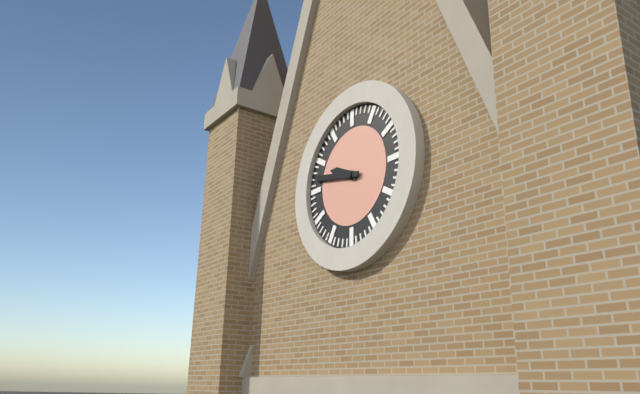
9:47
